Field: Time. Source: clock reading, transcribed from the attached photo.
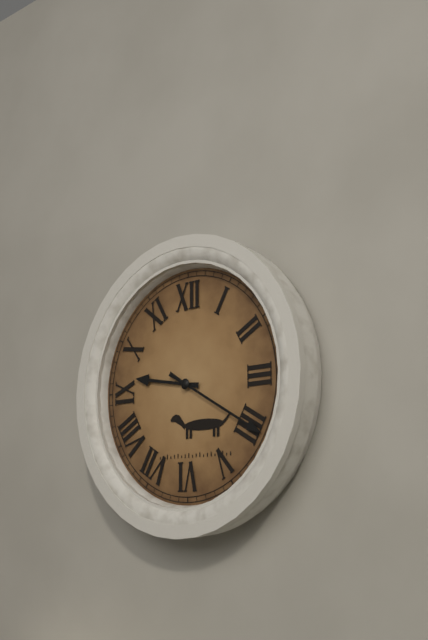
9:20
